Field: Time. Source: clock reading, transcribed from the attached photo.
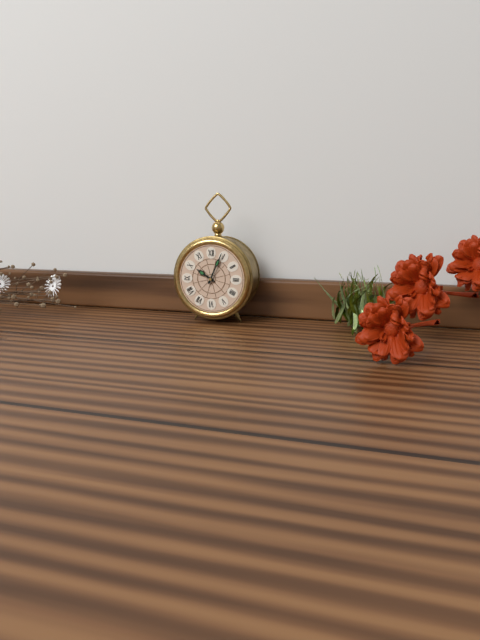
10:04
